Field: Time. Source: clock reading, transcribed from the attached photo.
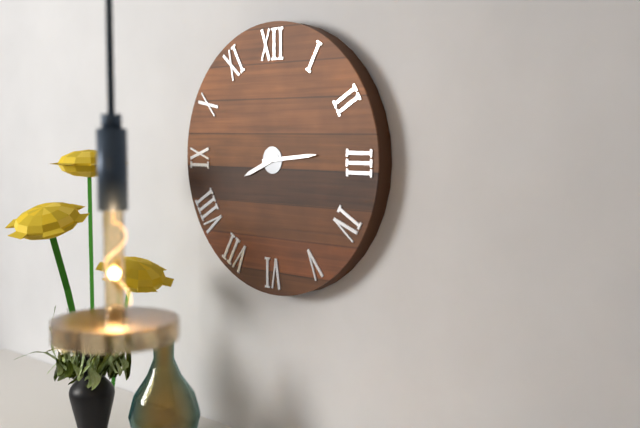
8:14
